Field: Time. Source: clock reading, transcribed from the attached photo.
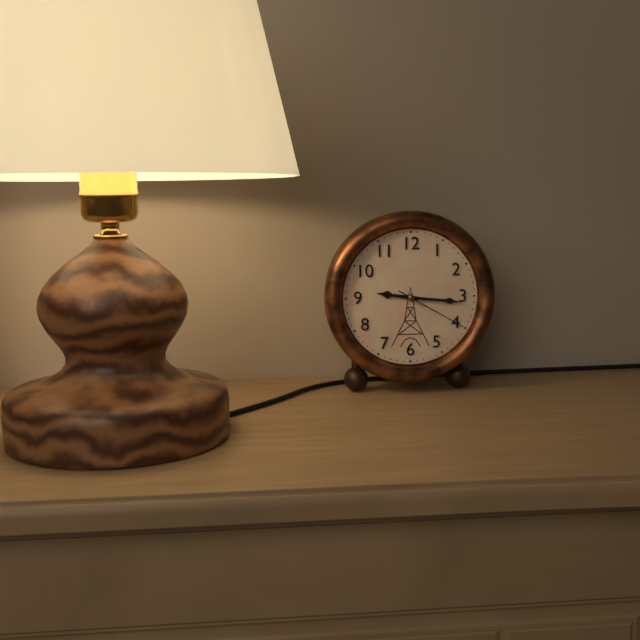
9:16:20
